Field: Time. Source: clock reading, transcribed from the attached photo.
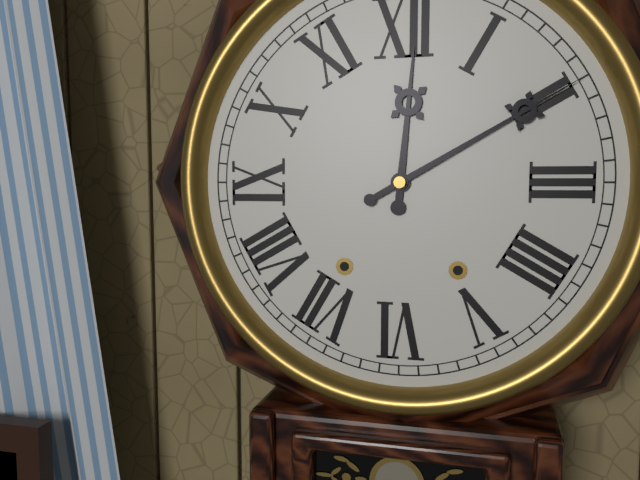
12:10
